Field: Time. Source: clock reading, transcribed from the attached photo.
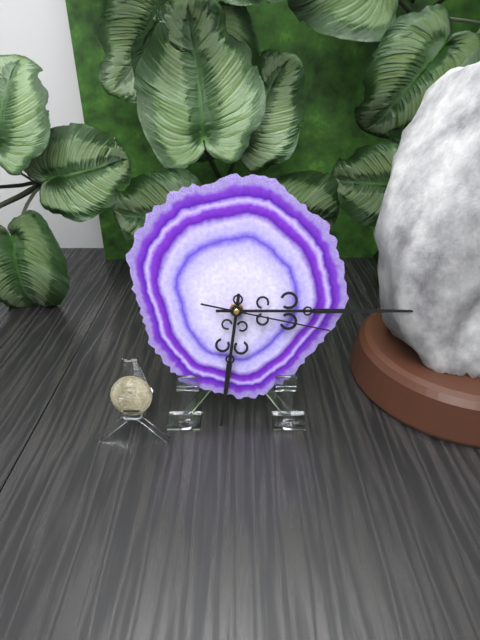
6:15:17
